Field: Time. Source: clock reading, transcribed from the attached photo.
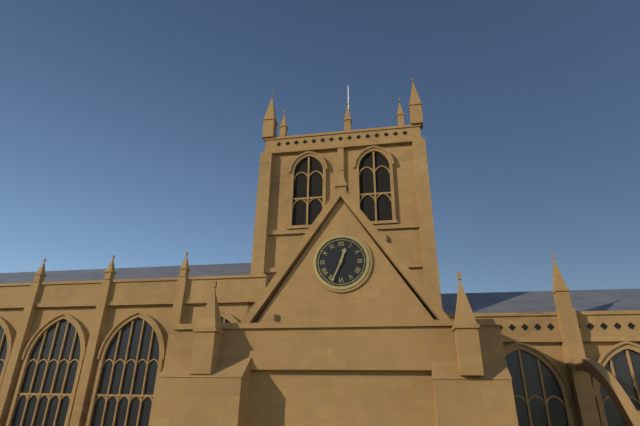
12:34
